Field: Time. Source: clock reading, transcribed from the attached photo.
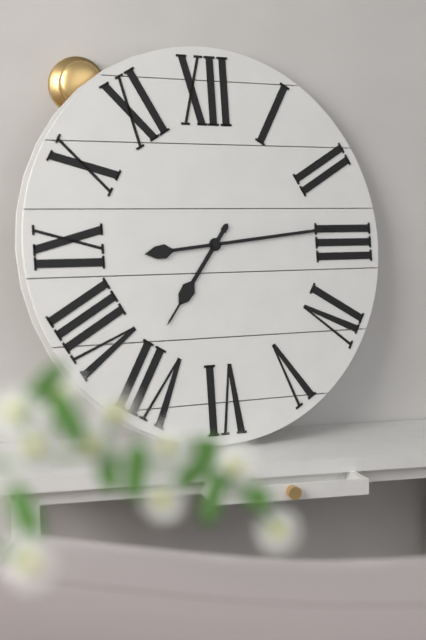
7:14
